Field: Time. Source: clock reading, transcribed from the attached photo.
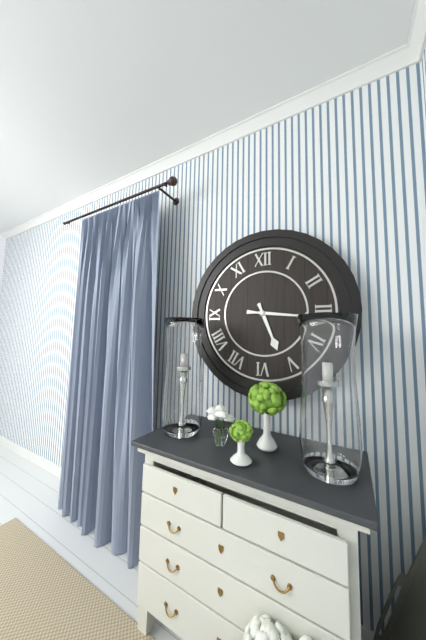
5:16
